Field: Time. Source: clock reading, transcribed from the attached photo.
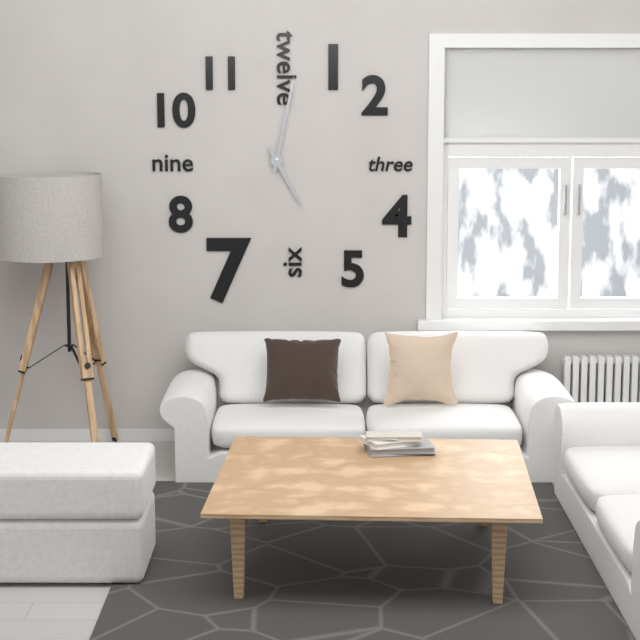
5:02
